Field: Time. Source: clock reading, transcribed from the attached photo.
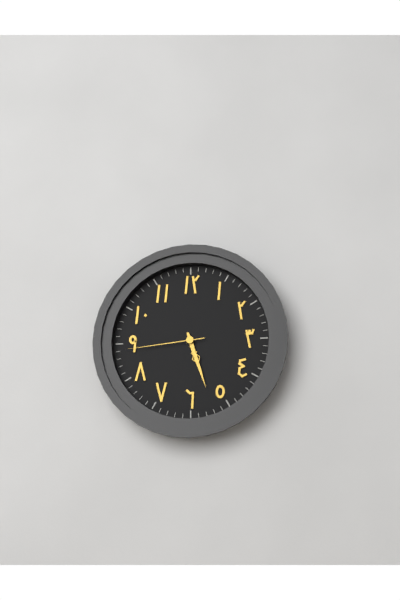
5:27:44
